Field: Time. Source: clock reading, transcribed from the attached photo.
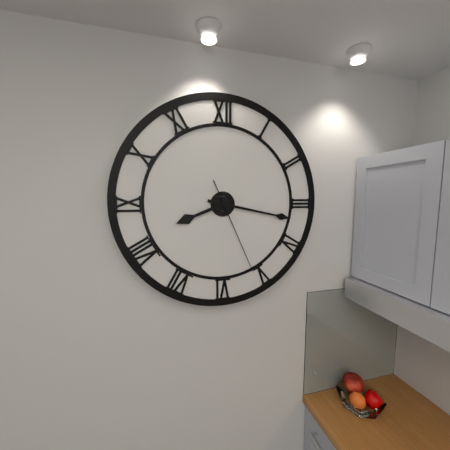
8:17:26
